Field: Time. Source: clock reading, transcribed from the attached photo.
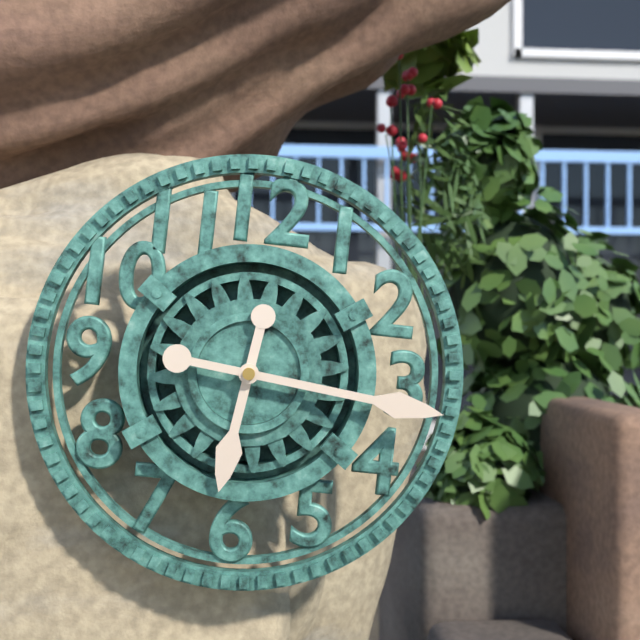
6:16
